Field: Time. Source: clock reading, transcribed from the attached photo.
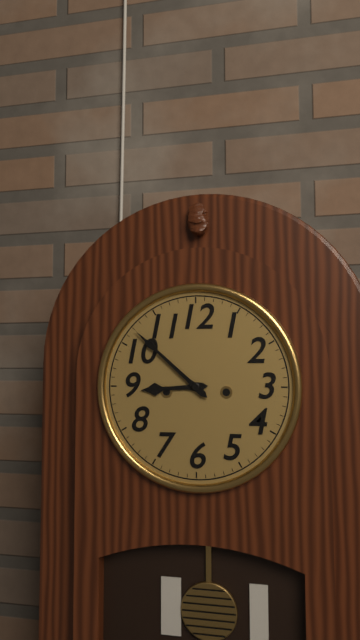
8:52
